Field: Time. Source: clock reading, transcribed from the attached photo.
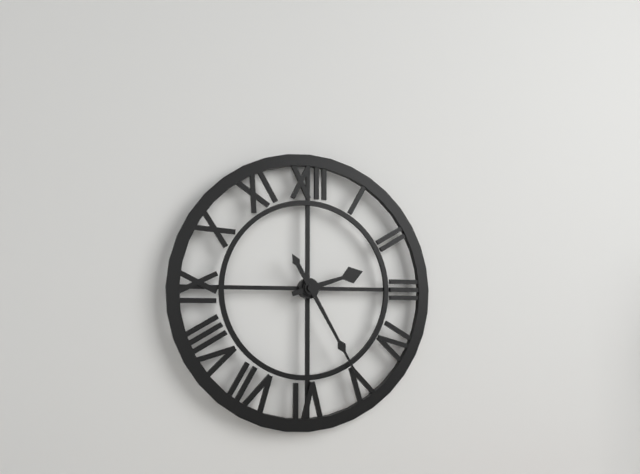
2:25
